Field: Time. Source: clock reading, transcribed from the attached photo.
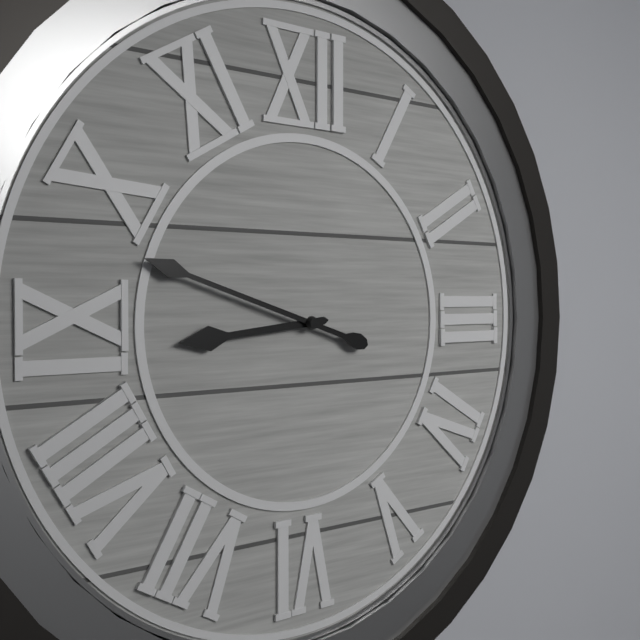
8:48
